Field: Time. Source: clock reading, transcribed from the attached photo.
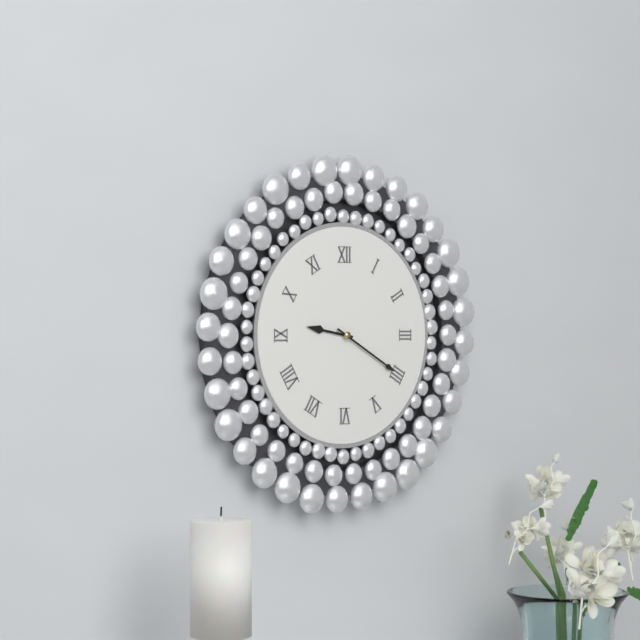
9:20
